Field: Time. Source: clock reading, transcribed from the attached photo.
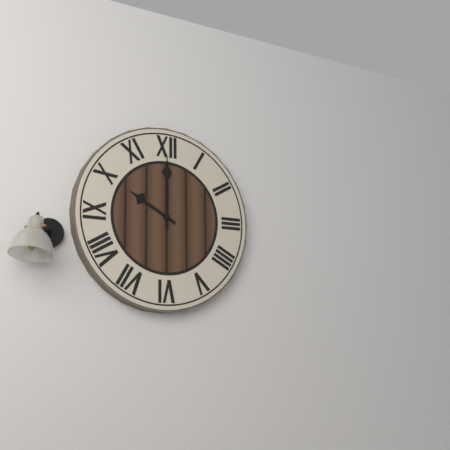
10:00
